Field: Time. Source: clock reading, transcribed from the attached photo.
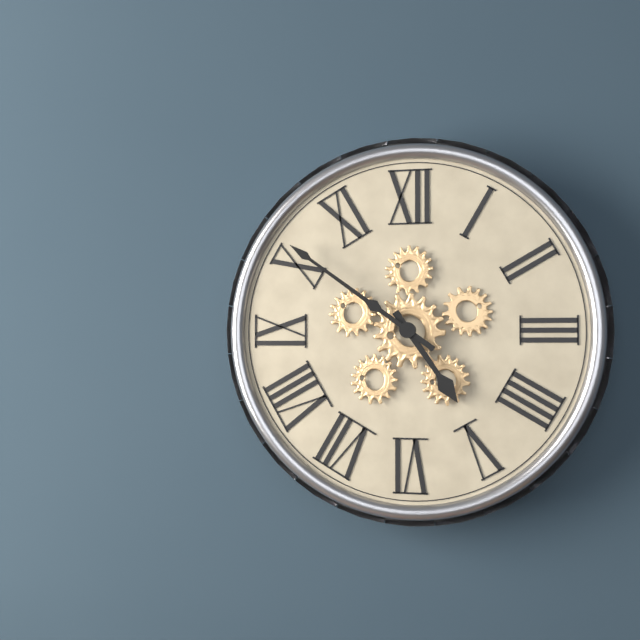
4:51
